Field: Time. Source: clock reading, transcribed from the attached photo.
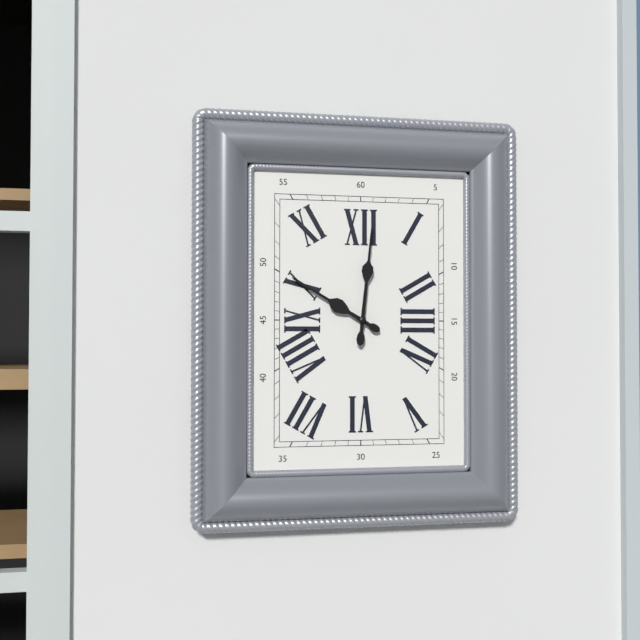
10:01
